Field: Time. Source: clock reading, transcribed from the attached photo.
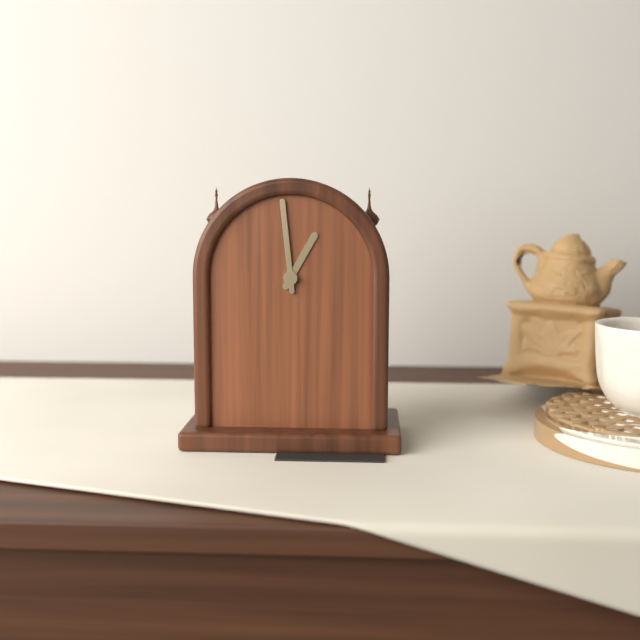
12:59
